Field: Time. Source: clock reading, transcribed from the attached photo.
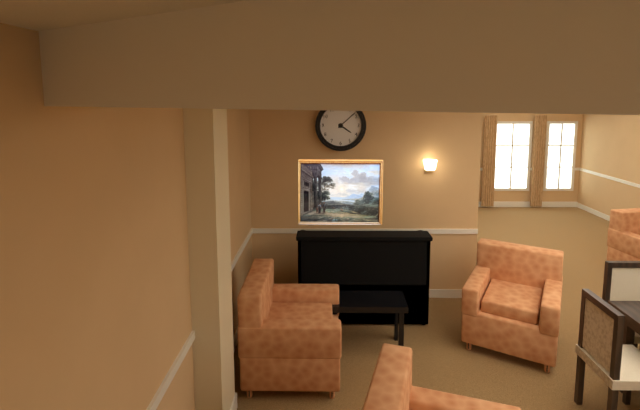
4:08
